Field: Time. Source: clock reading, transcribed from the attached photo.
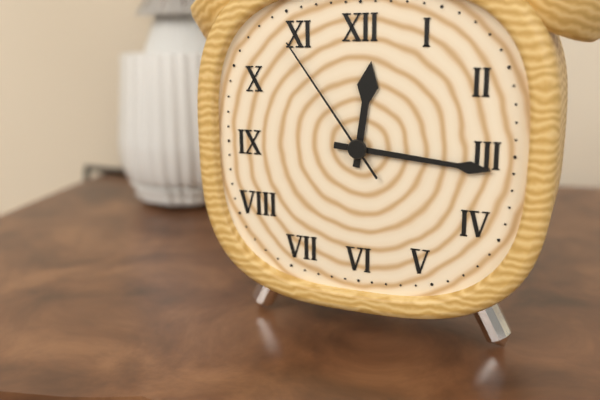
12:16:54
